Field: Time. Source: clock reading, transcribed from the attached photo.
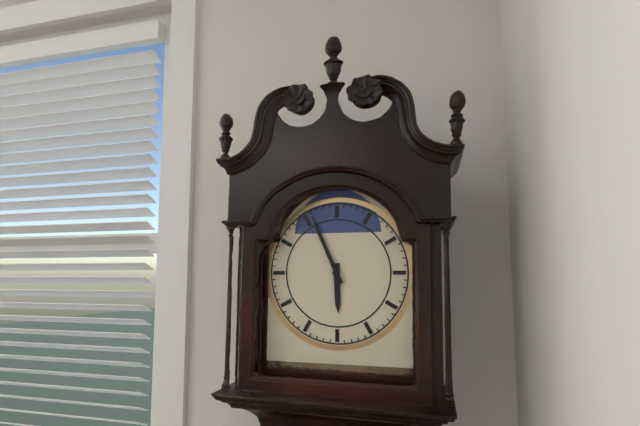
5:56
